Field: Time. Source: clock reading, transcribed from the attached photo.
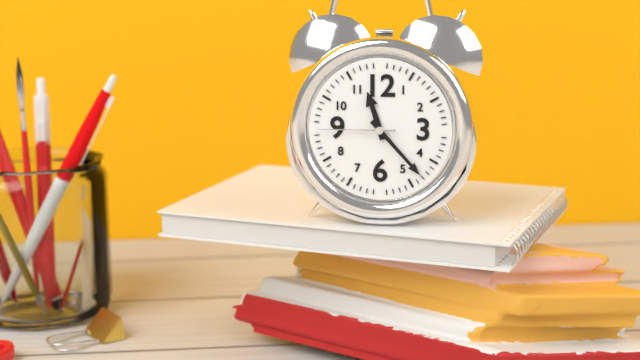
11:23:45
